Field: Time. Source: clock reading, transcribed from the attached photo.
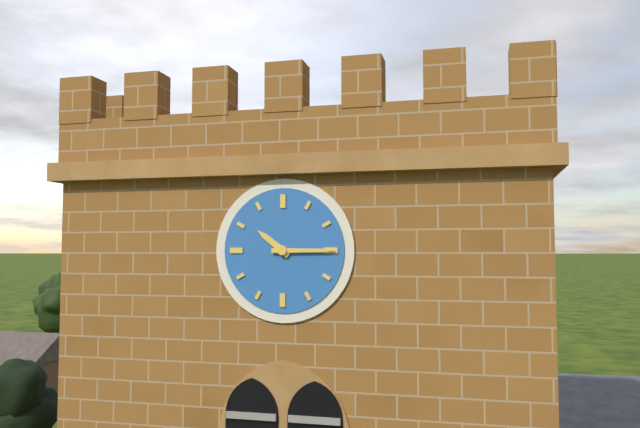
10:15
